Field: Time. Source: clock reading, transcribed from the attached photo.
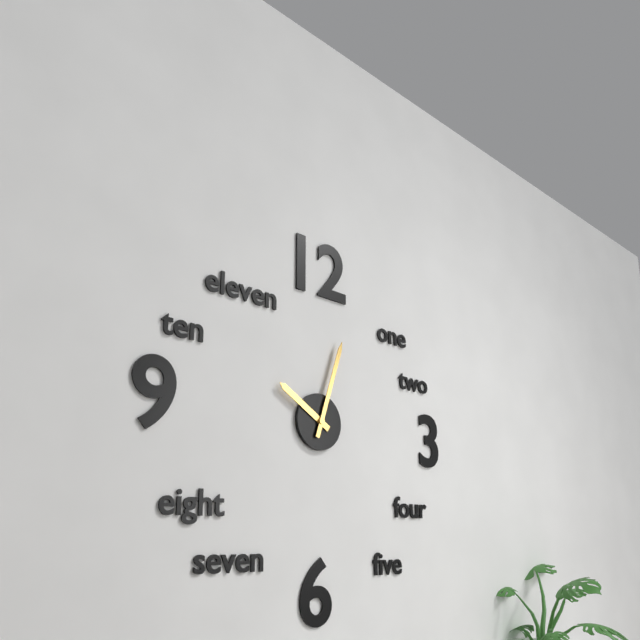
10:03
